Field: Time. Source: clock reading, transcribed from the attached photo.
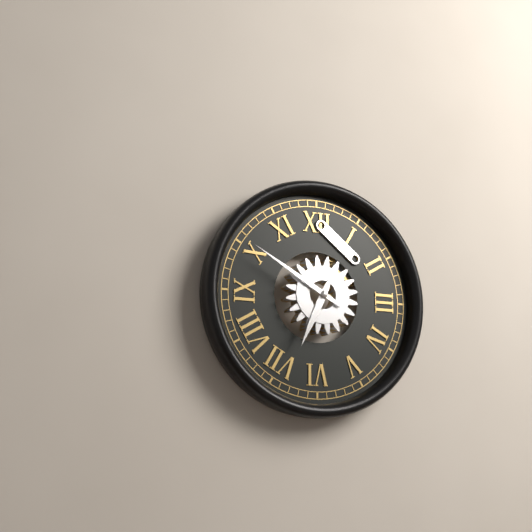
6:50
